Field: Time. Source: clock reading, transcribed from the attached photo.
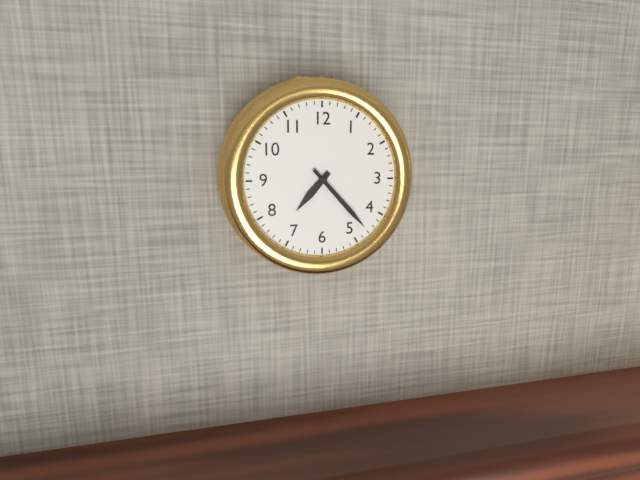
7:23
